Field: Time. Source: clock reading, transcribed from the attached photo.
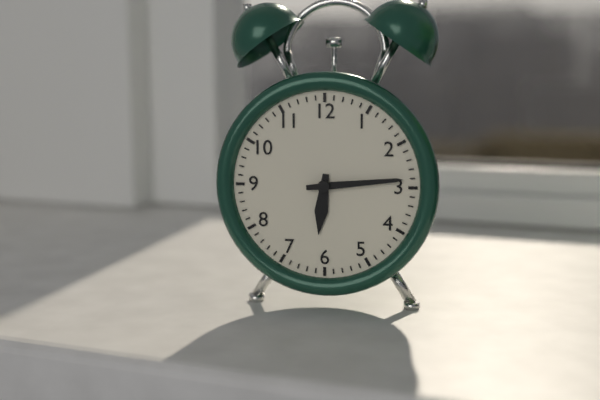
6:14
